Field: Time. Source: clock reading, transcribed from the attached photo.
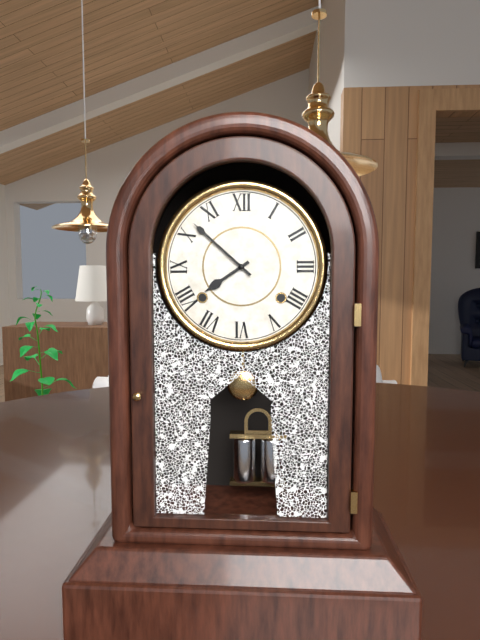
7:52
